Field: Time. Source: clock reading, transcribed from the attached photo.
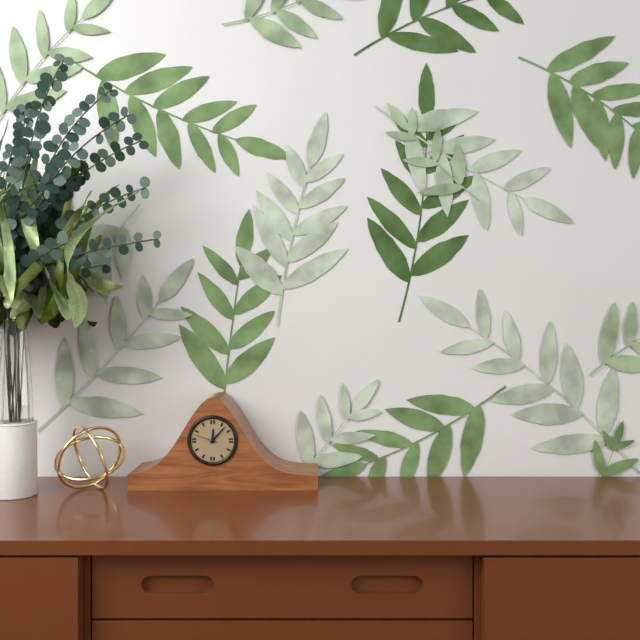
12:07
